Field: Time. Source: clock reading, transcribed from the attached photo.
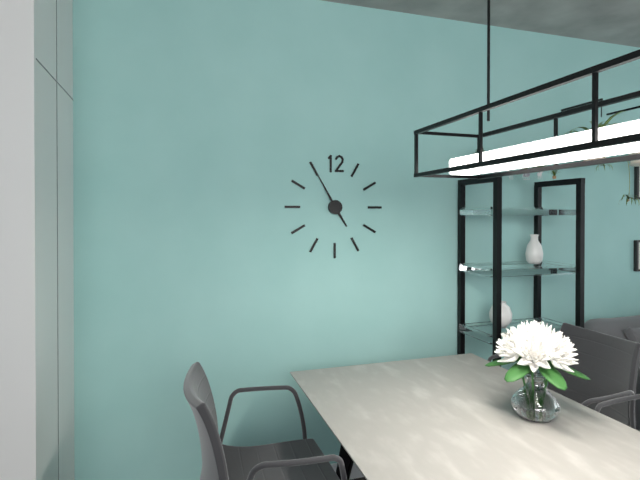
4:55
